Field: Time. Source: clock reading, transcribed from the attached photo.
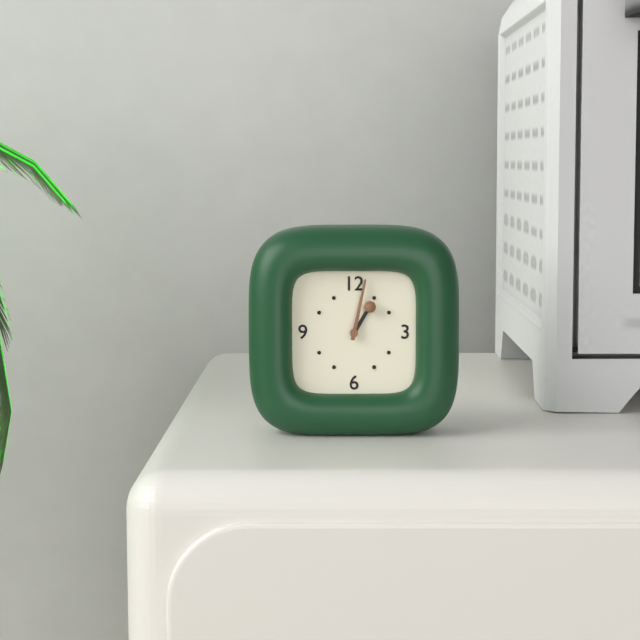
1:02
